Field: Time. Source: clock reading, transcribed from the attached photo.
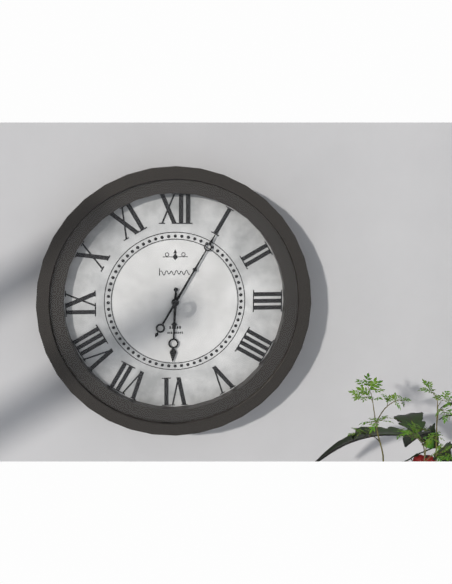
6:05
